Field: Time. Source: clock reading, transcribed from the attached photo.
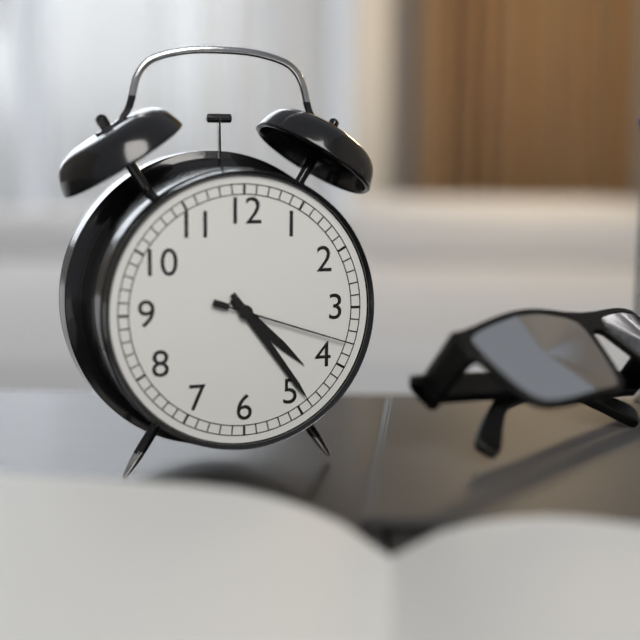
4:24:18
